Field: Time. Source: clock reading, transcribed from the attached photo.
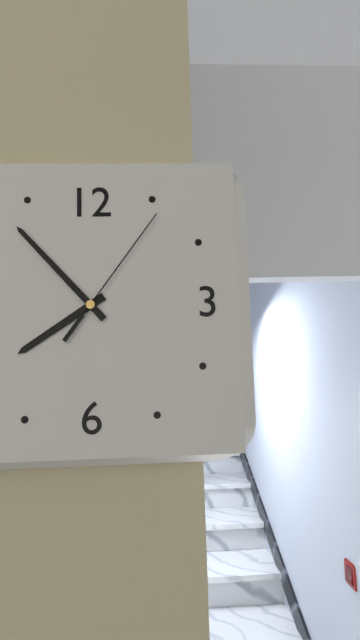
7:53:06
